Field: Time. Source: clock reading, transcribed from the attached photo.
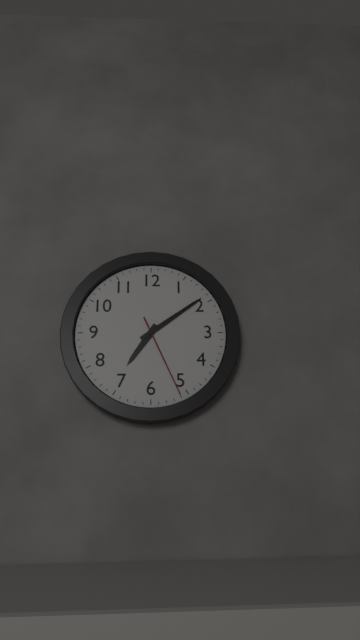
7:09:26
